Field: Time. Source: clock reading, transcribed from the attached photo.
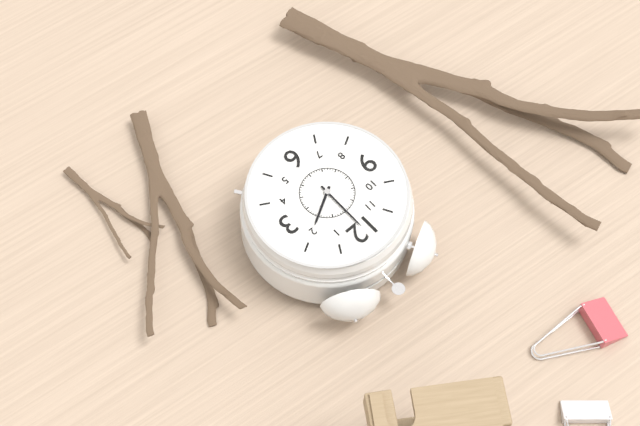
2:00
